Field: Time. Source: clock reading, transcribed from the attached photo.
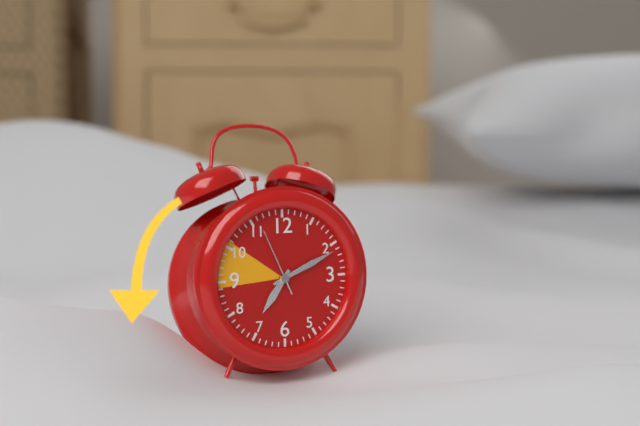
7:11:56
